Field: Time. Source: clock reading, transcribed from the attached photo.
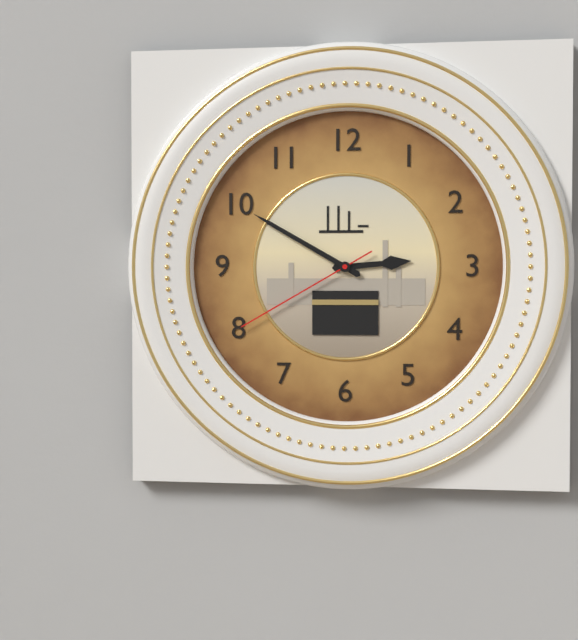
2:50:40
